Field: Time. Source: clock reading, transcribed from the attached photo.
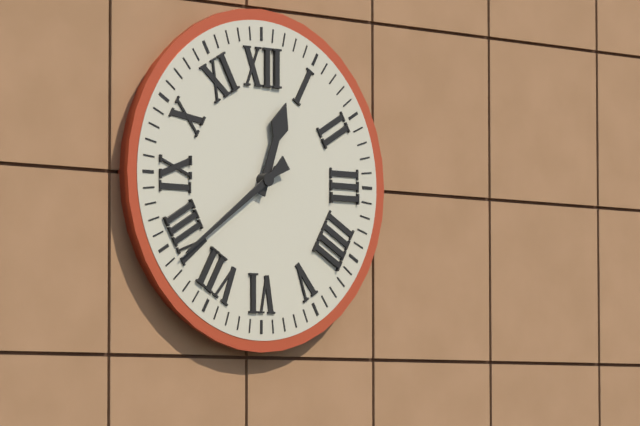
12:39
